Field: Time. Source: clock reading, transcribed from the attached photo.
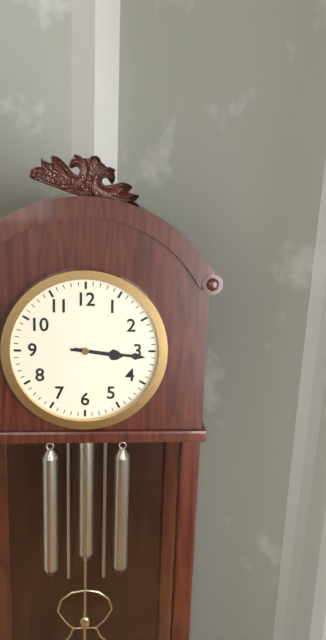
3:16
